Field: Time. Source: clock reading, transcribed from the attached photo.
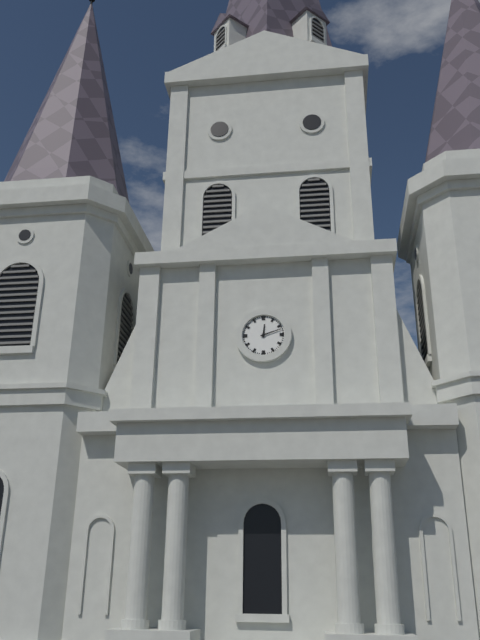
12:12
